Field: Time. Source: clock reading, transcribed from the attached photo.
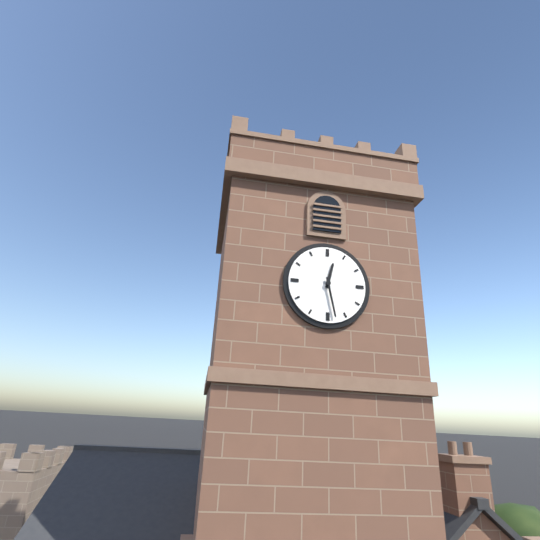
12:28
